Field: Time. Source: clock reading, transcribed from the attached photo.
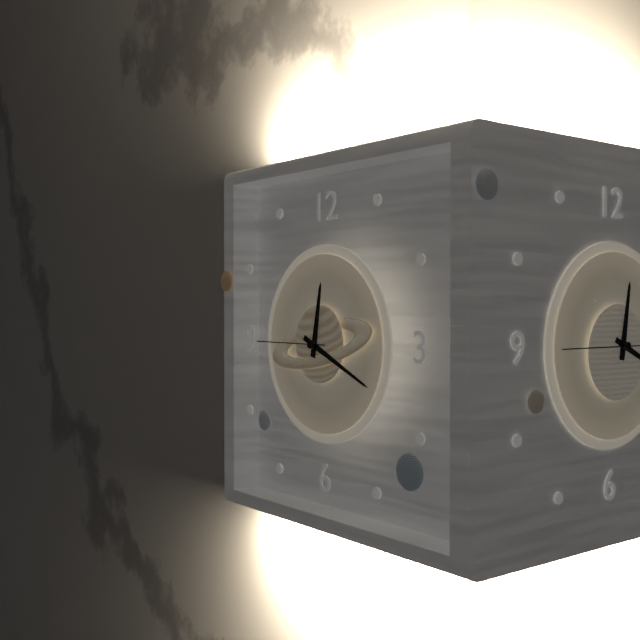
12:19:45
